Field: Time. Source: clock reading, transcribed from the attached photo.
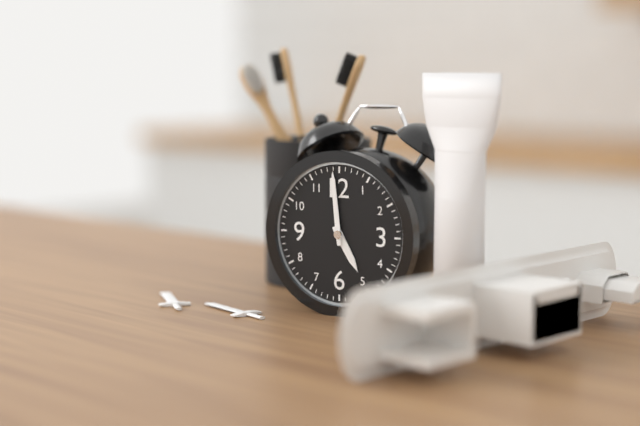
4:59
